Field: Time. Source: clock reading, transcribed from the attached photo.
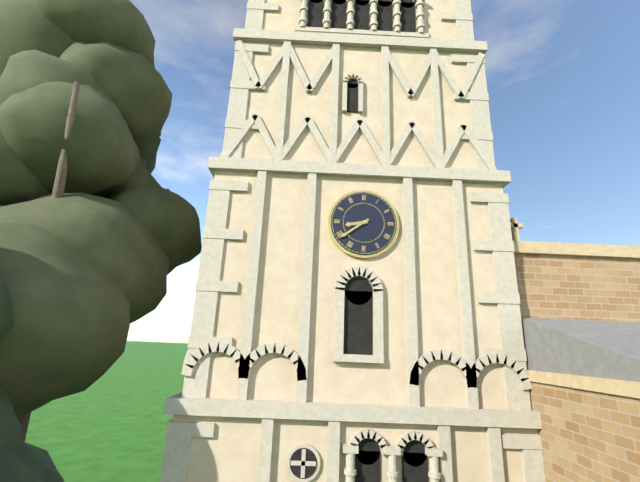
8:39
